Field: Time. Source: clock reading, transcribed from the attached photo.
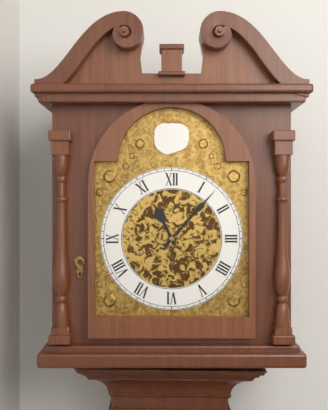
11:07
